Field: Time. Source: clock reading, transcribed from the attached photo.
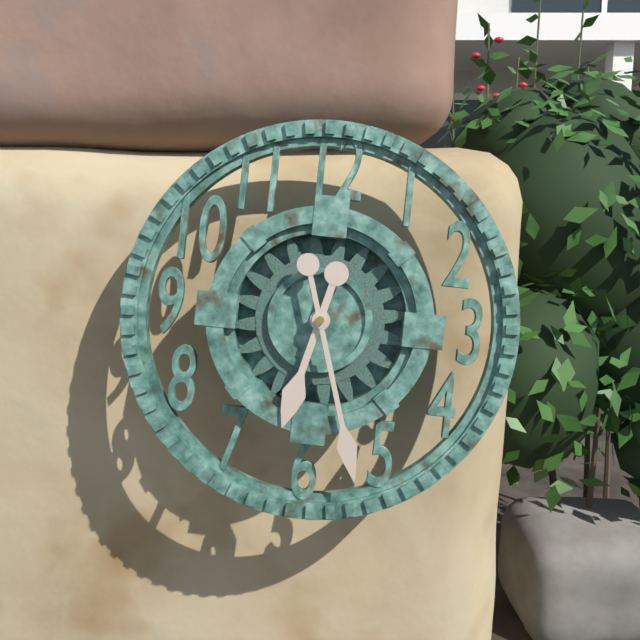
6:27
